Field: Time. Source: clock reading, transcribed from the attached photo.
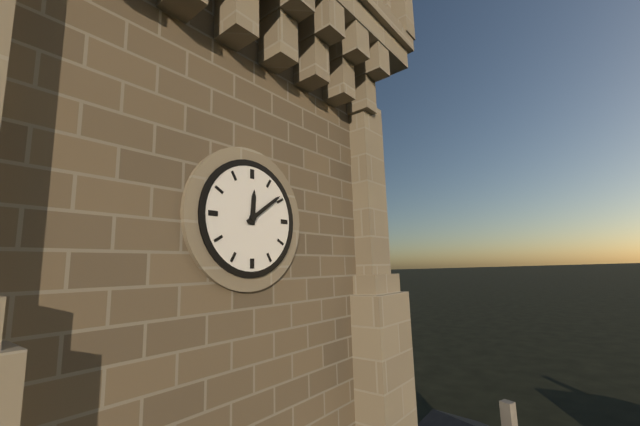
12:09
